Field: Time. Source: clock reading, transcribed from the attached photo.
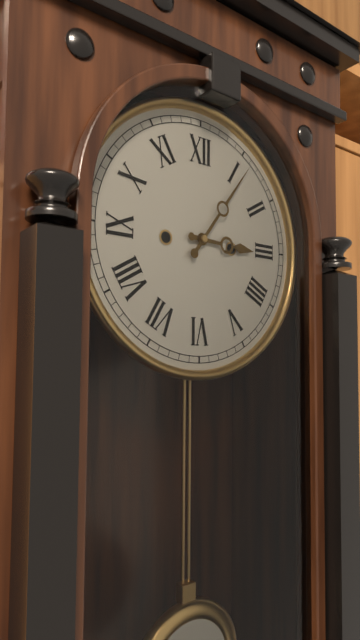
3:06
